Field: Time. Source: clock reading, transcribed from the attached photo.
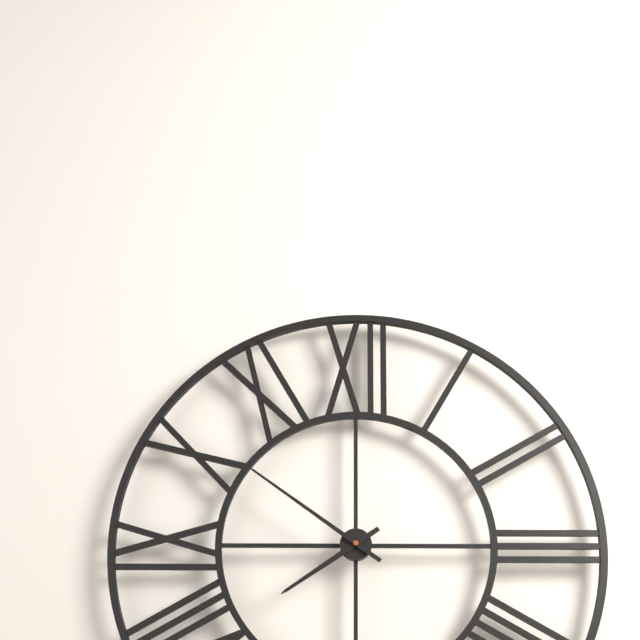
7:51
